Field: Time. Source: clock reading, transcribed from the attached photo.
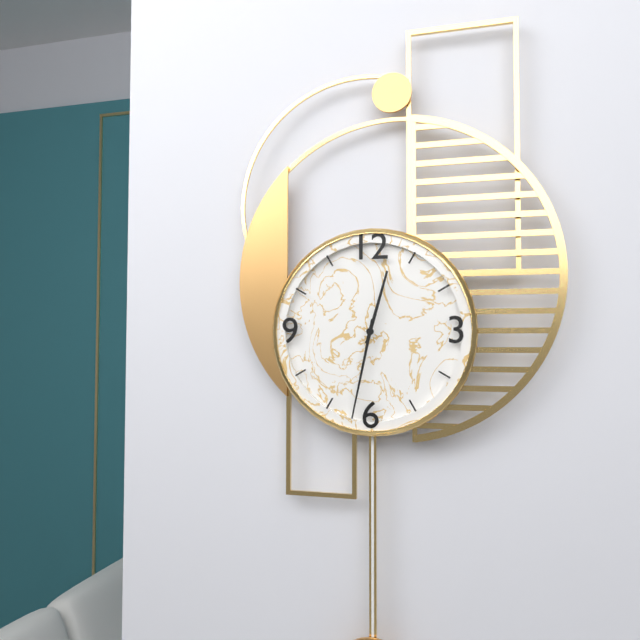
12:32
